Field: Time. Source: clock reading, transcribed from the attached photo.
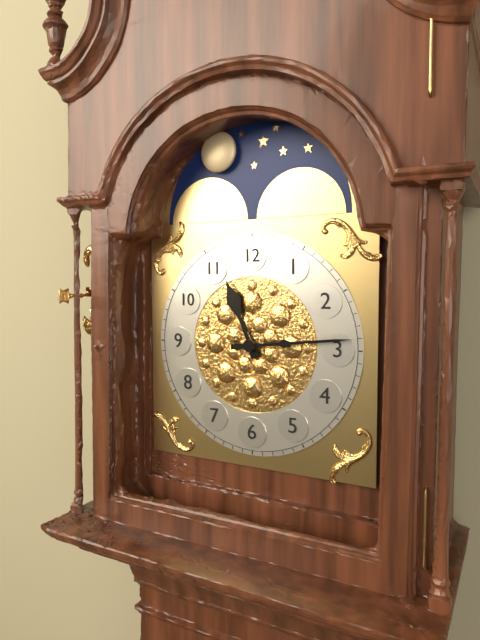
11:14
